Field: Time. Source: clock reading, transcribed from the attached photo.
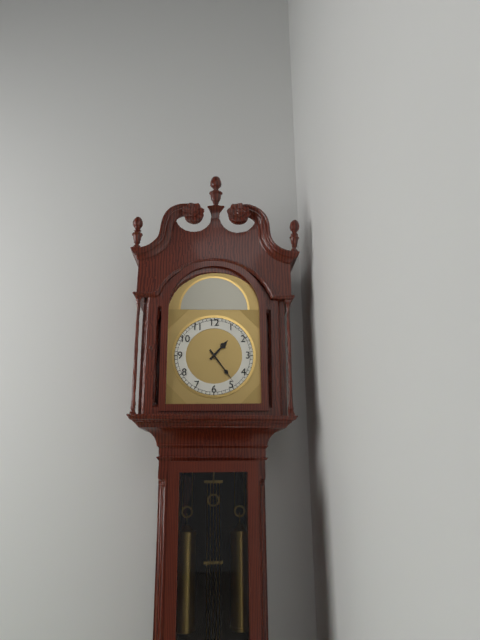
1:24
